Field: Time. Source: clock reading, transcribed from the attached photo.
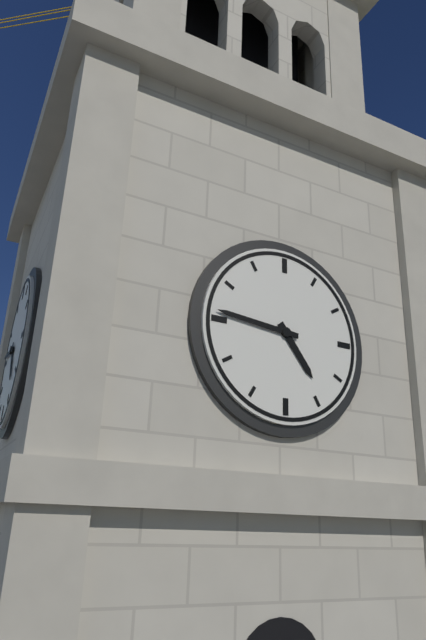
4:46
